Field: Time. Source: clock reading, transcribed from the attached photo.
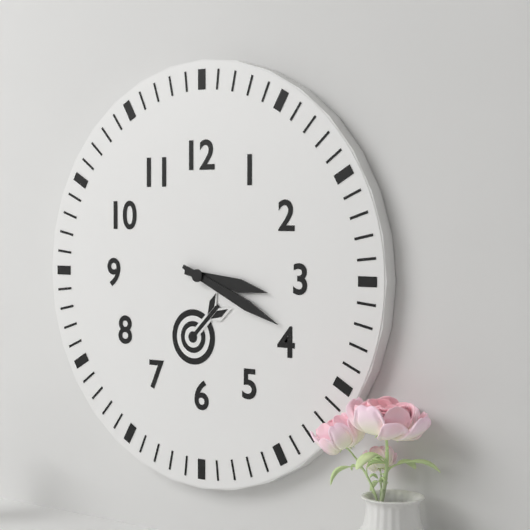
3:19
